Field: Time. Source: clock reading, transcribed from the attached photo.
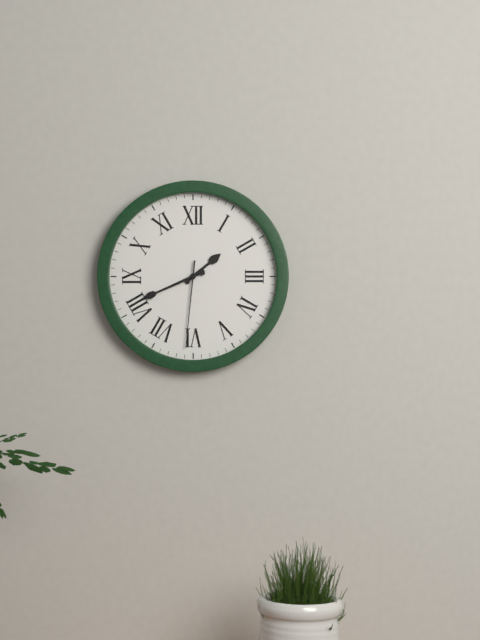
1:41:31
